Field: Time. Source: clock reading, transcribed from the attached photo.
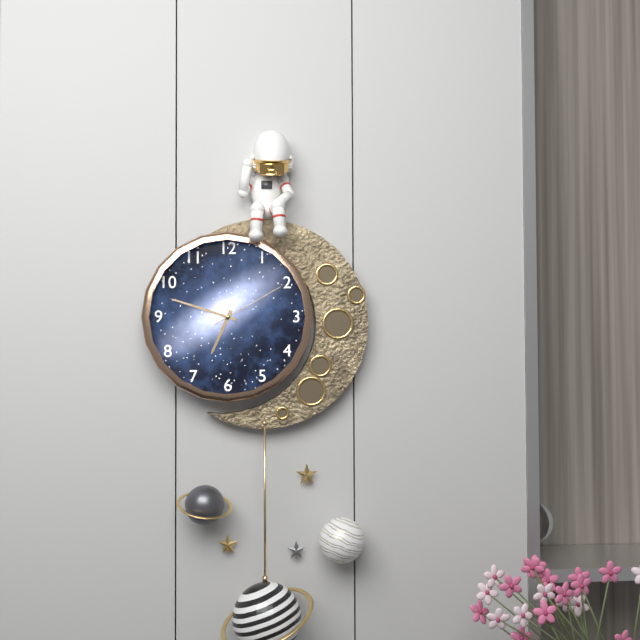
6:48:10
